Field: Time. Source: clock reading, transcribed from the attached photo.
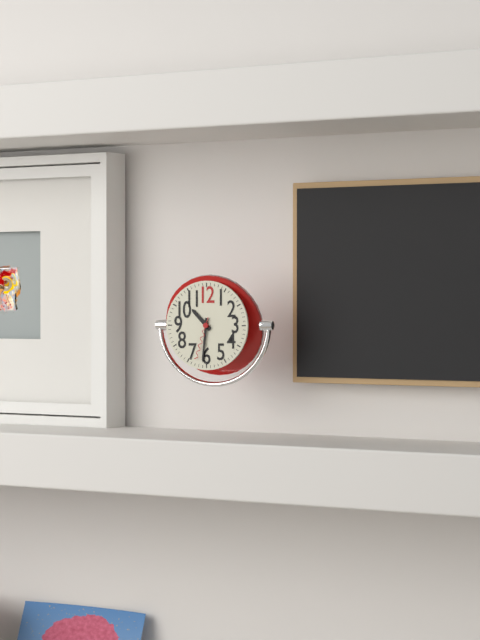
10:31
